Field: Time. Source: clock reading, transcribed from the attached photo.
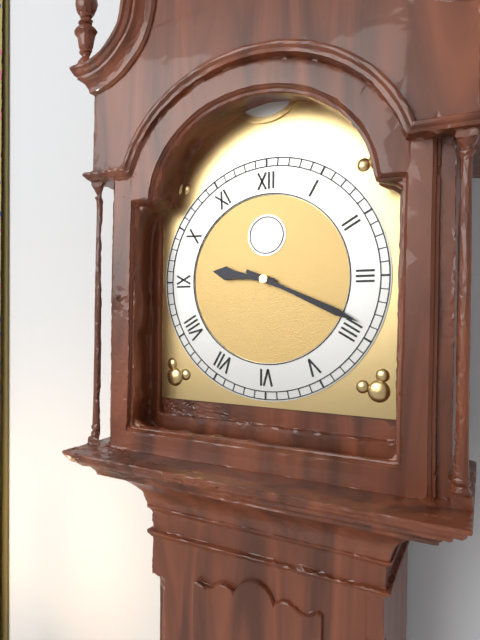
9:19
